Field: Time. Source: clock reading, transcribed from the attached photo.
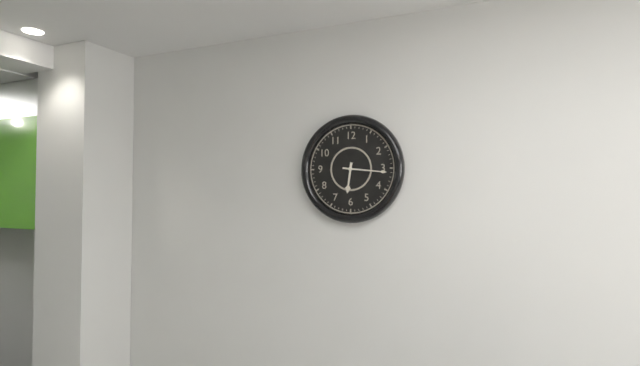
6:16
